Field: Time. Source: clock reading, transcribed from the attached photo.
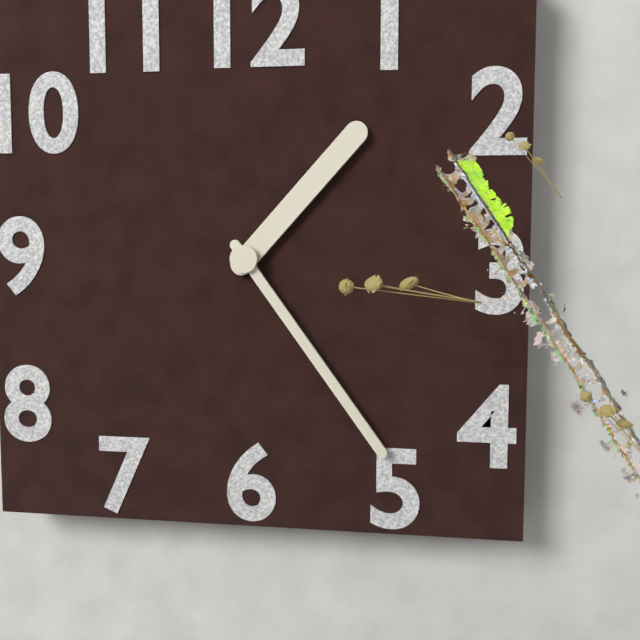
1:24
